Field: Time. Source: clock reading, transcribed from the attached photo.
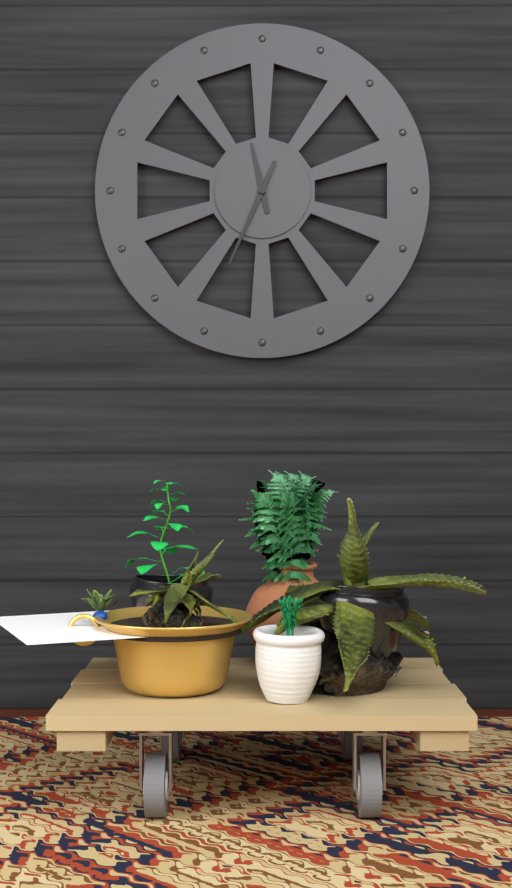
11:34
